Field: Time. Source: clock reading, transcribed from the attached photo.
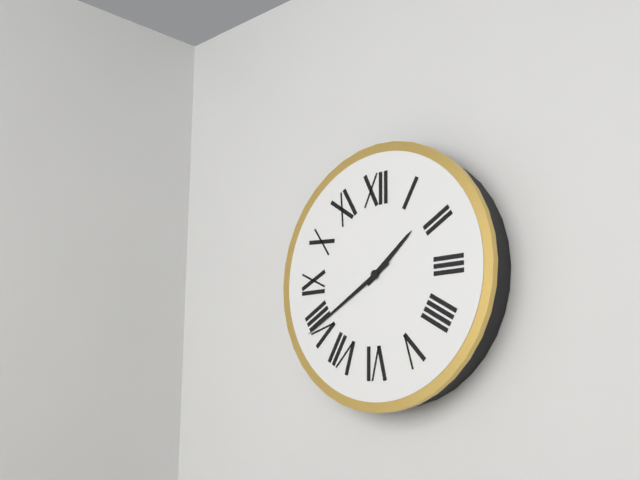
1:40
